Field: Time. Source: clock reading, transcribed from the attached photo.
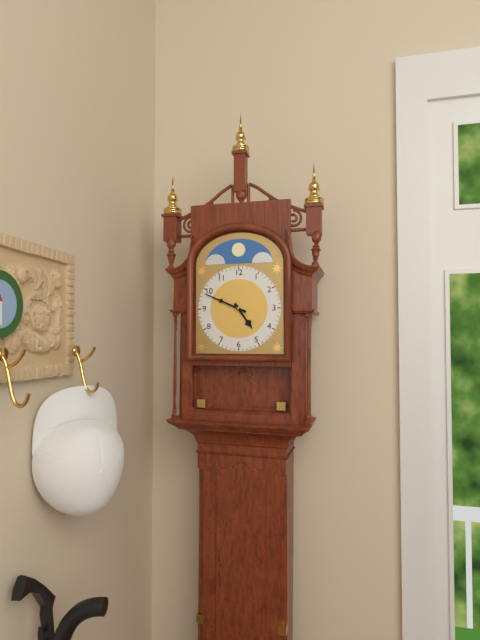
4:49
